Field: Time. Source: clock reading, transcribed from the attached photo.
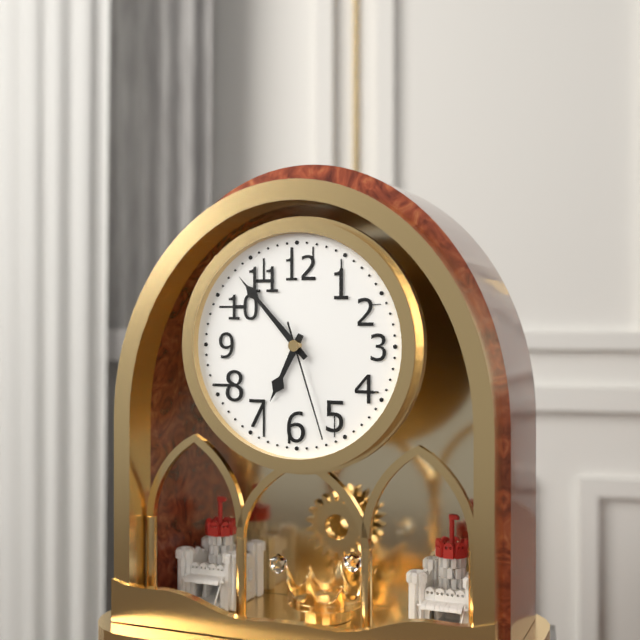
6:53:27
